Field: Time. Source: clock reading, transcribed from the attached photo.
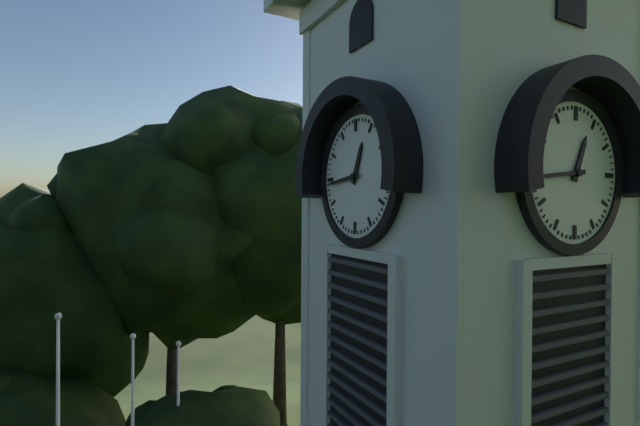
12:44
